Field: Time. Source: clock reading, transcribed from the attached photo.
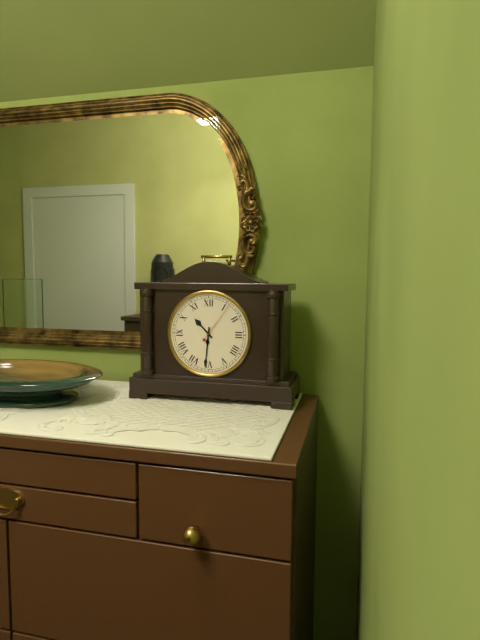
10:31
